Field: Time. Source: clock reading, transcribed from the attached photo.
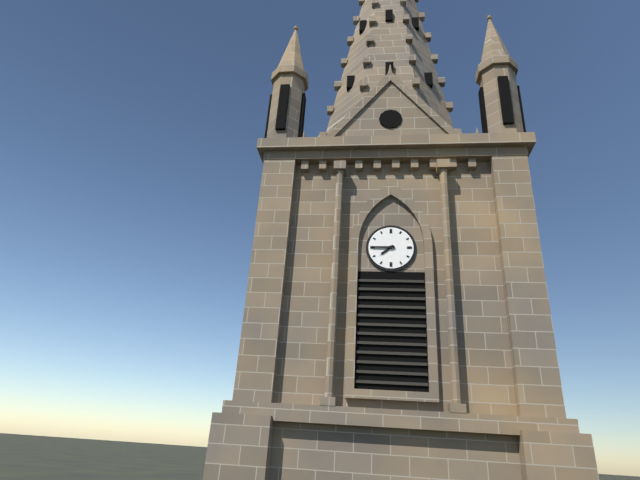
7:45
